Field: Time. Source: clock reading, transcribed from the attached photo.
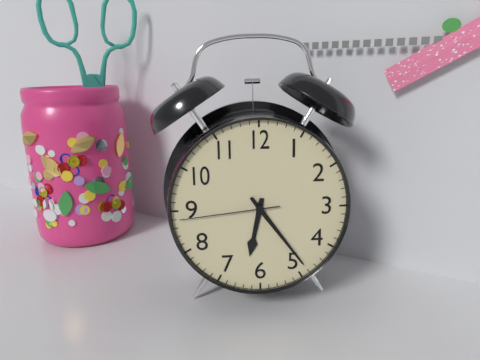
6:24:44
